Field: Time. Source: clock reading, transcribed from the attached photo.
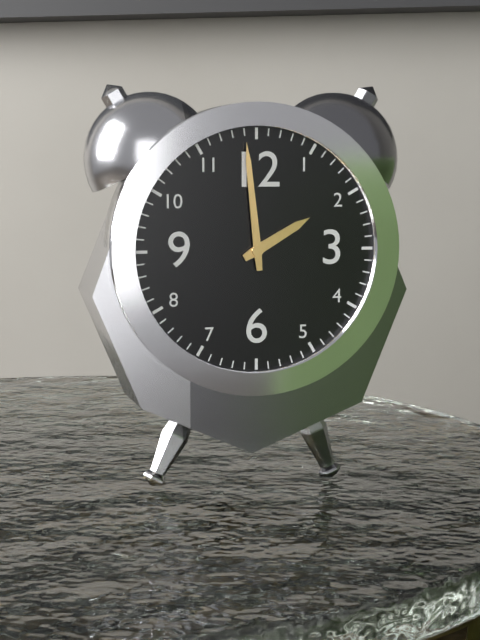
1:59
